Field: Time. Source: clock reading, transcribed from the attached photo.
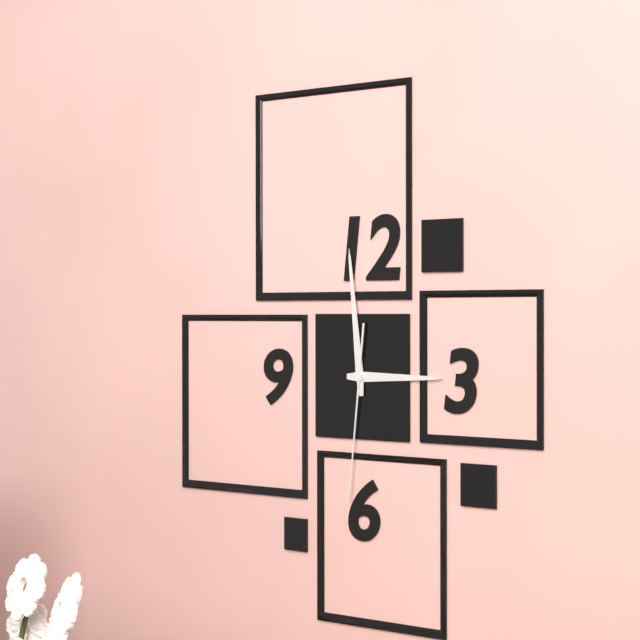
2:59:31
